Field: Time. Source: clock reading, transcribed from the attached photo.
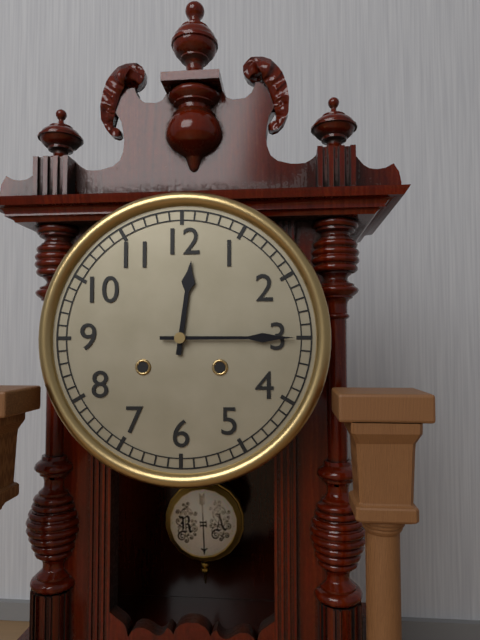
12:15
